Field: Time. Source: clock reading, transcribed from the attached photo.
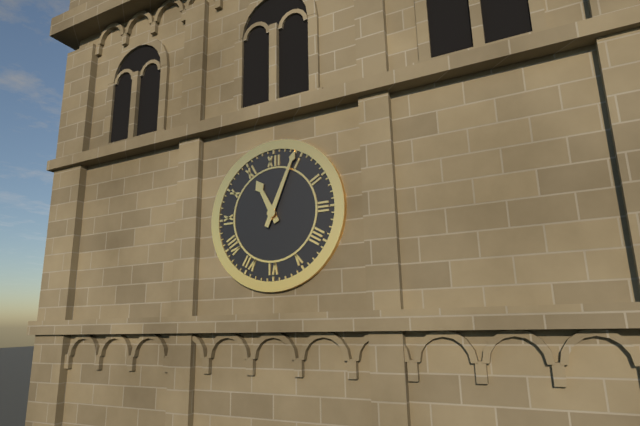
11:04
